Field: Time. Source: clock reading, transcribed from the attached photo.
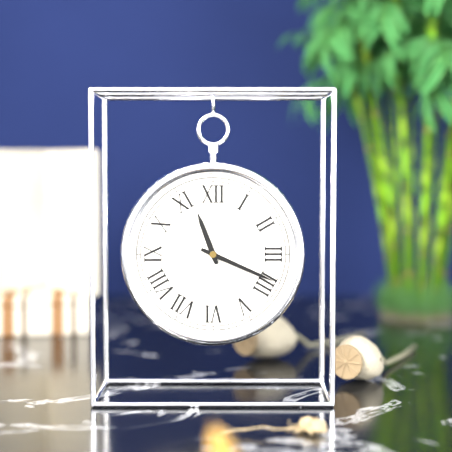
11:19
